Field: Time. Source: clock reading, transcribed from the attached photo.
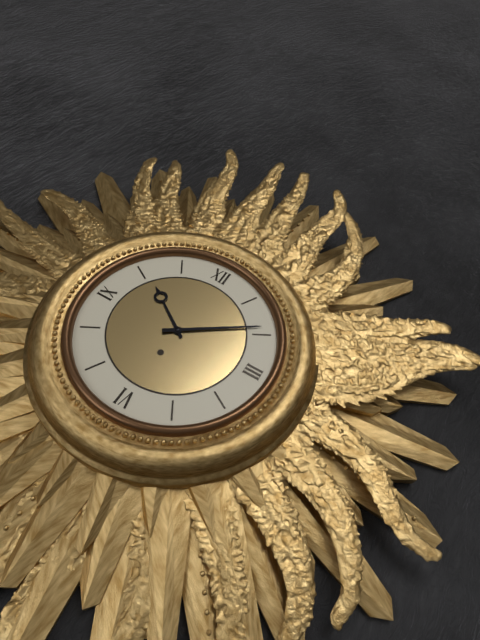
10:09
